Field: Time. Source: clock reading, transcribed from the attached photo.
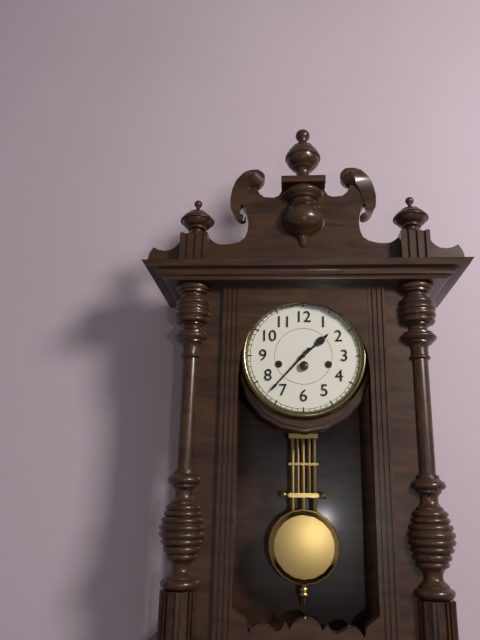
1:37
